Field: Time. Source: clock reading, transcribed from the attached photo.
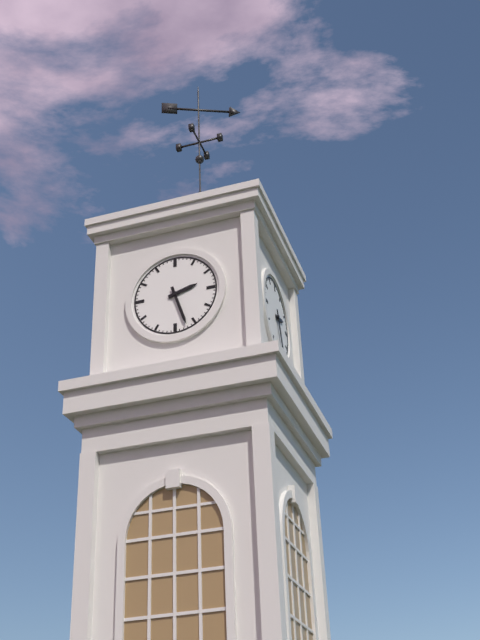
2:27
